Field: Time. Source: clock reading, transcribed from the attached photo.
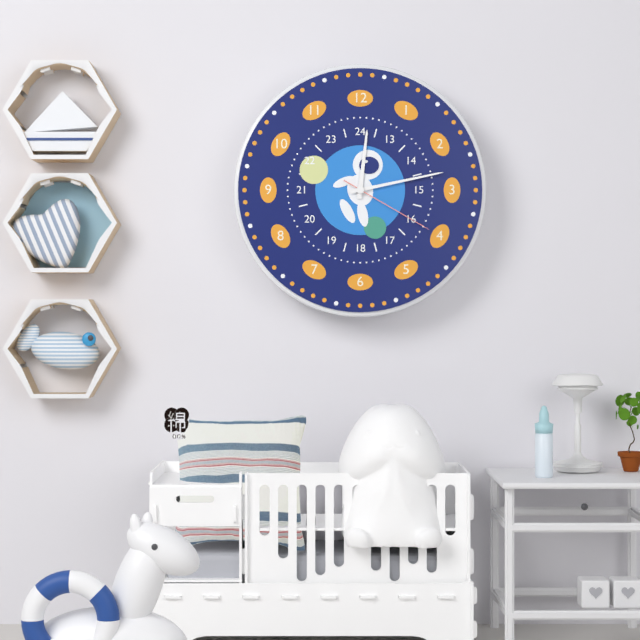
12:13:20
